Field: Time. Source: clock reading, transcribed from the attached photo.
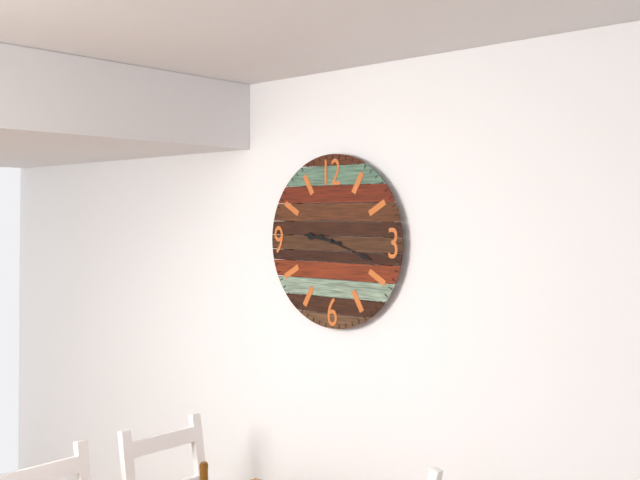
9:18
